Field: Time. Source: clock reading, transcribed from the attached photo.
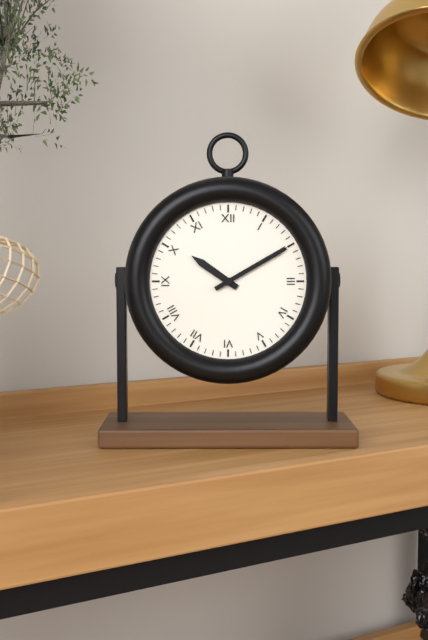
10:10
